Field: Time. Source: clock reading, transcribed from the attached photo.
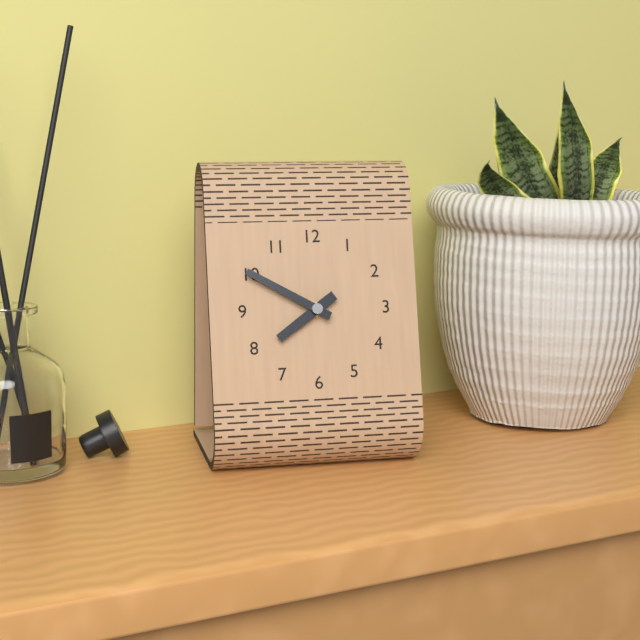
7:50
